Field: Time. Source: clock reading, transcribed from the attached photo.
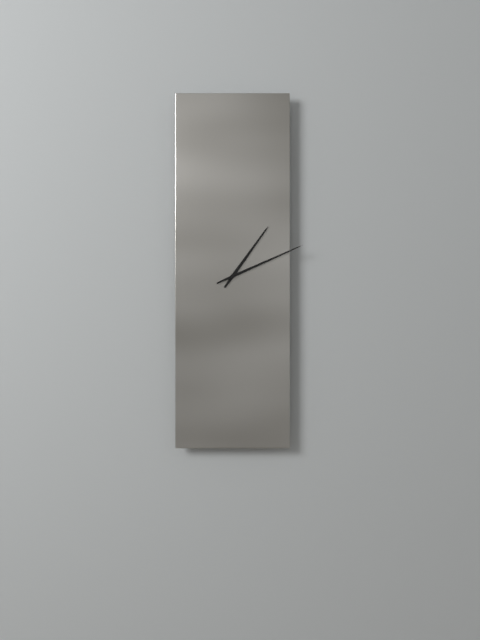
1:11
